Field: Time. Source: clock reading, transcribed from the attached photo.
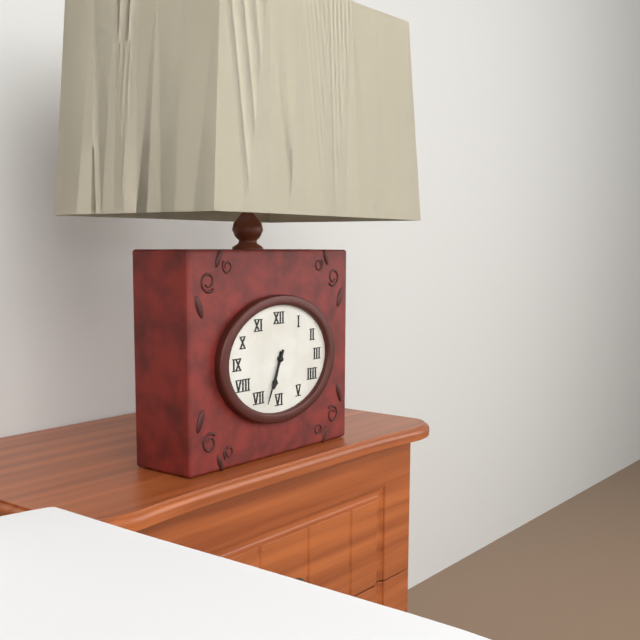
6:34
